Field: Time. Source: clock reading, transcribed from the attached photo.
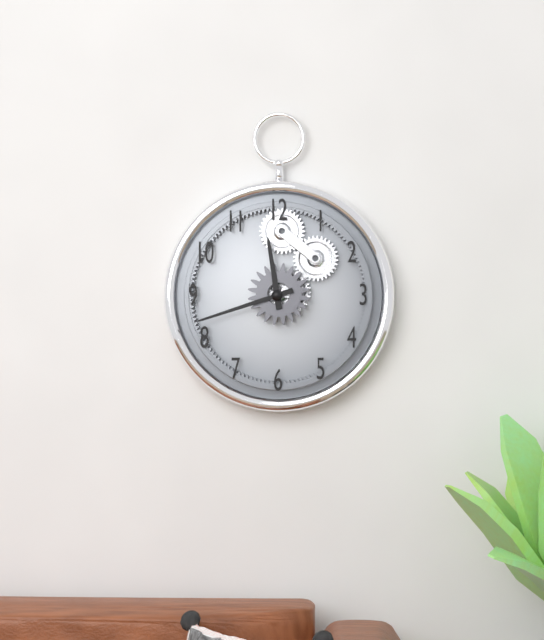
11:42
